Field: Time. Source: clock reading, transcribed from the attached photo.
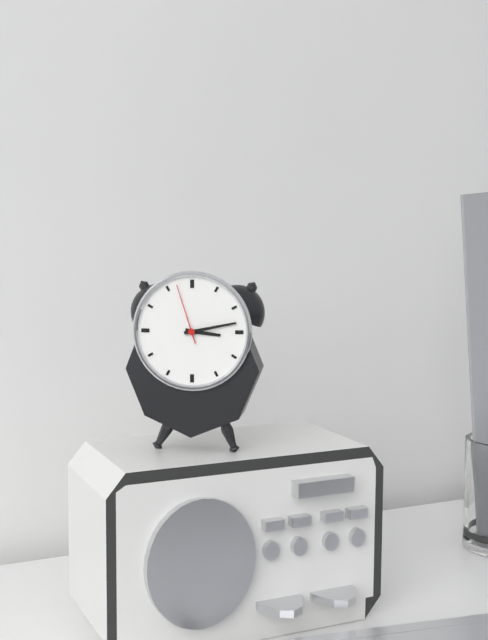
3:13:57
